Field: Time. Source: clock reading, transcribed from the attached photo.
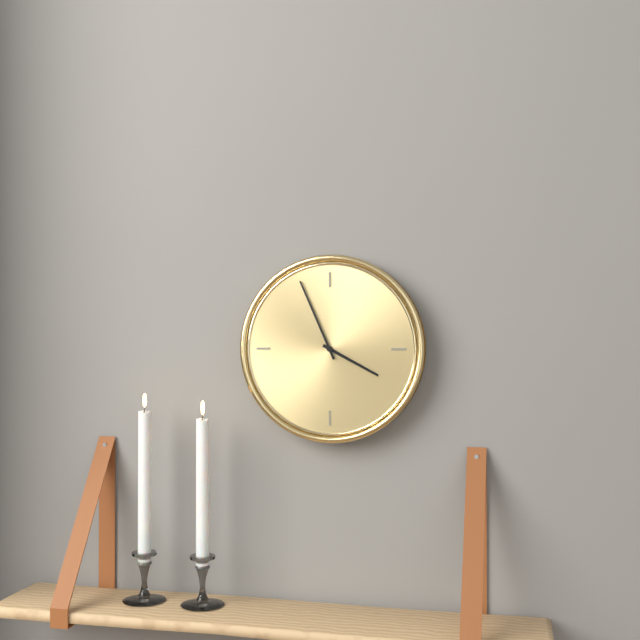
3:56
